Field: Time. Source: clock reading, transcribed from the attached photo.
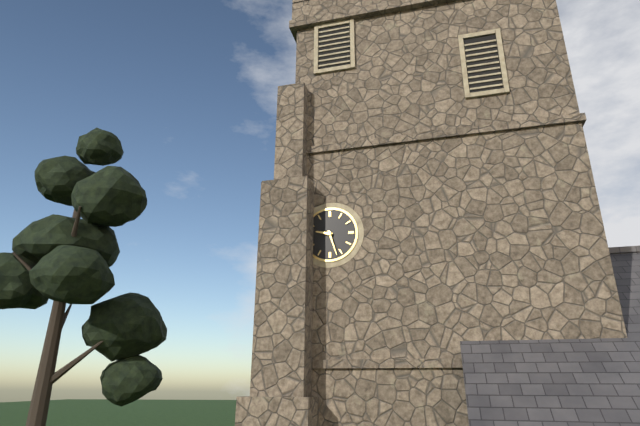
9:27
